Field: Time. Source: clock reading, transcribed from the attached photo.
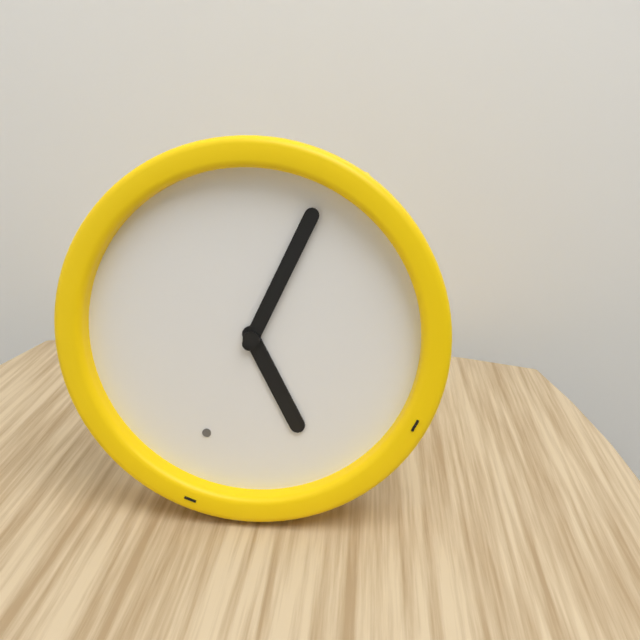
5:04
